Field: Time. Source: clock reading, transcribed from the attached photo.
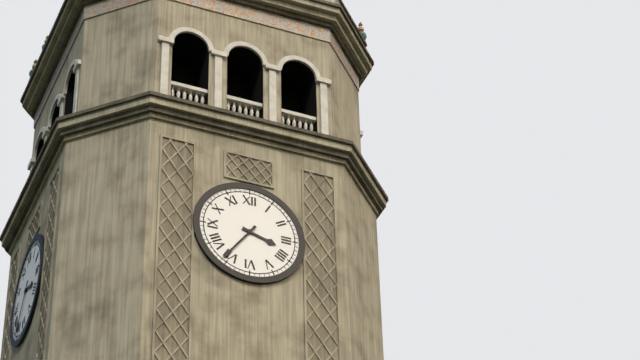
3:36
